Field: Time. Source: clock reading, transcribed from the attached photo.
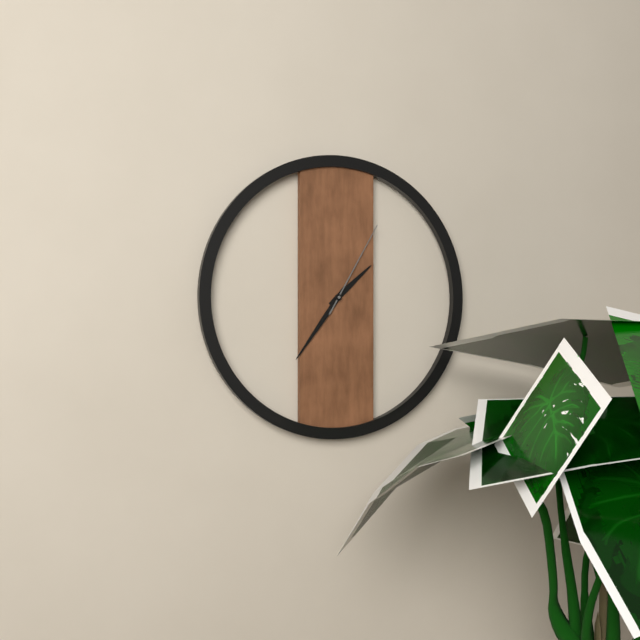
1:36:05
